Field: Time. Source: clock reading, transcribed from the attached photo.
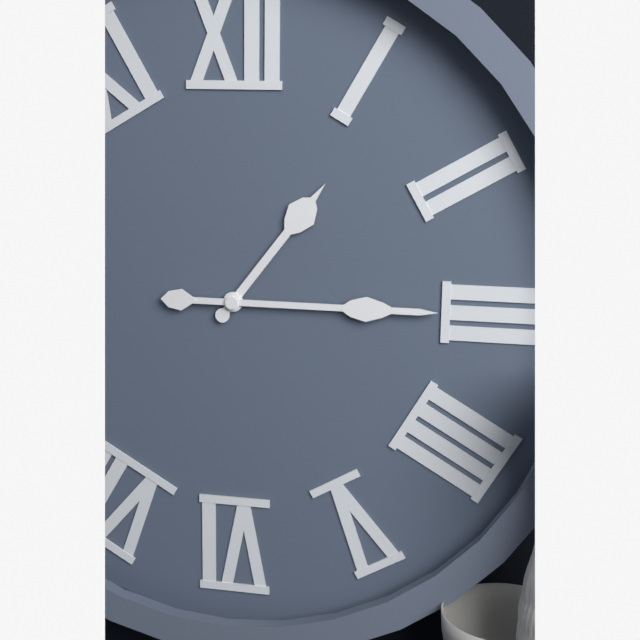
1:15
